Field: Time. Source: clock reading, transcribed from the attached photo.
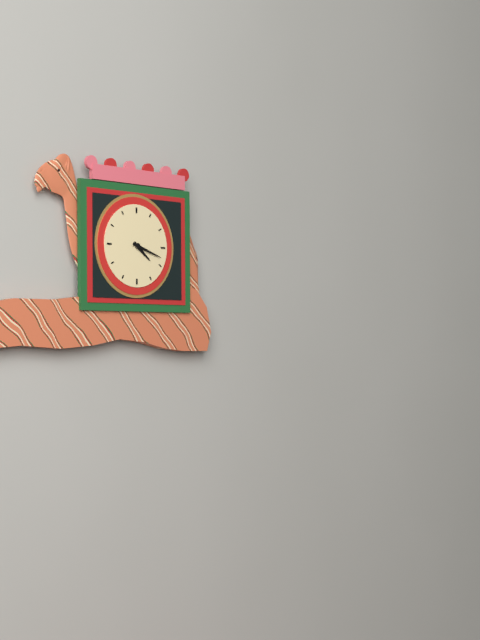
4:18
